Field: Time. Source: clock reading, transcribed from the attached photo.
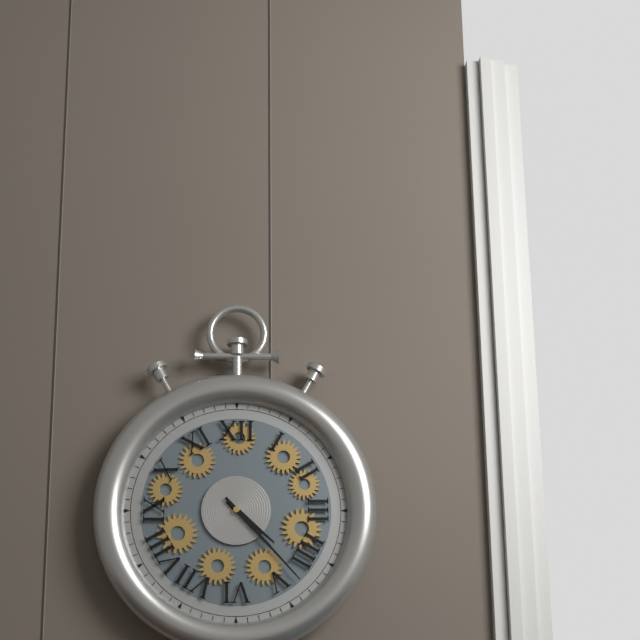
4:23
